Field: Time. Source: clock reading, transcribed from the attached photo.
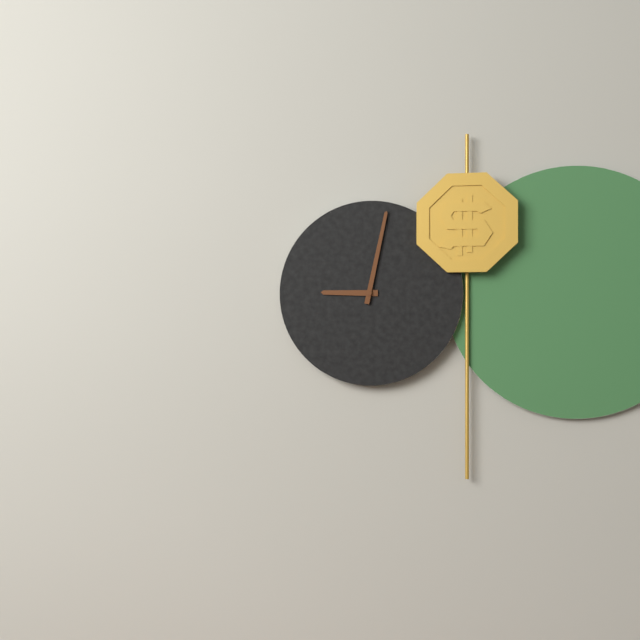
9:02
